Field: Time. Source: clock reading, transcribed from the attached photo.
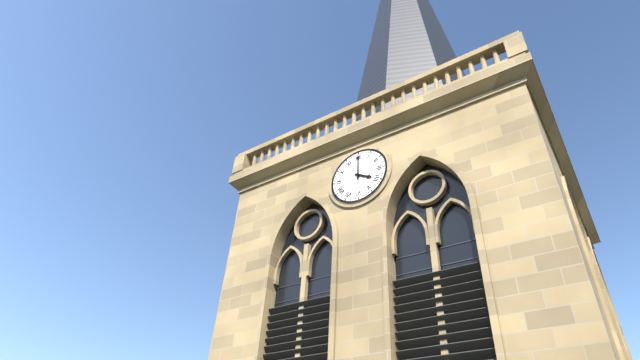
4:00
